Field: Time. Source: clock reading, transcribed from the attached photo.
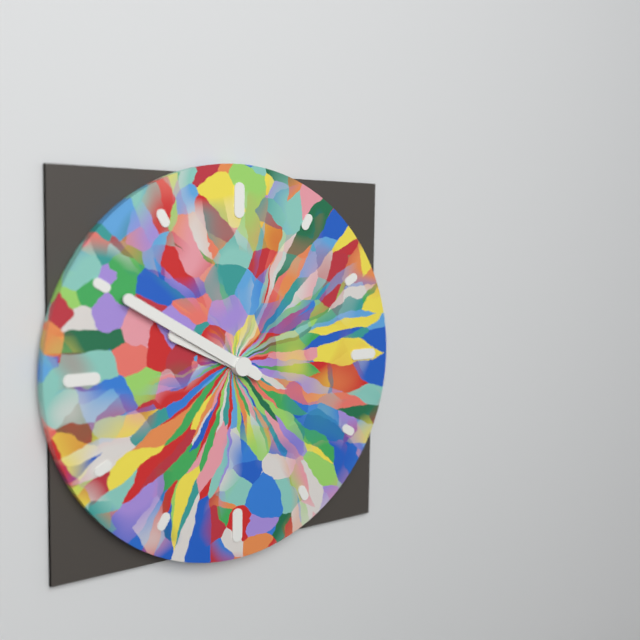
9:50
